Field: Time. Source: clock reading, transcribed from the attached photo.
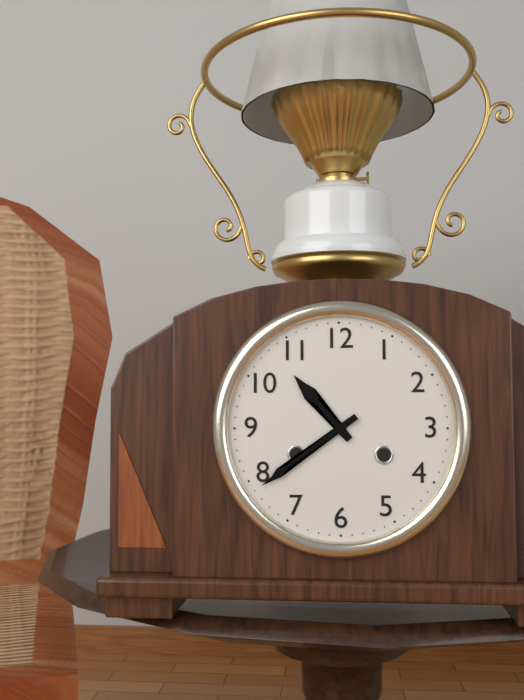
10:39
